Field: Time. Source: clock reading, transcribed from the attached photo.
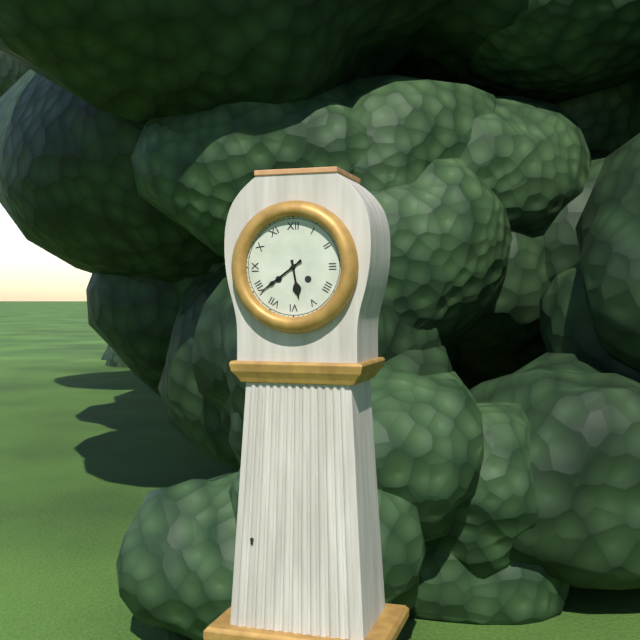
5:39
